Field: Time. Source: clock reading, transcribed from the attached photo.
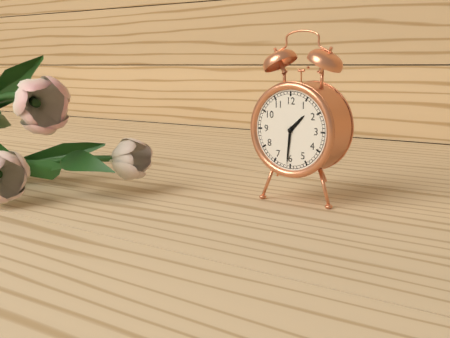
1:31
